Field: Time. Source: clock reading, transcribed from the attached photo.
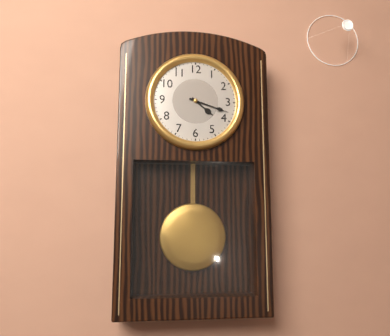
4:18
